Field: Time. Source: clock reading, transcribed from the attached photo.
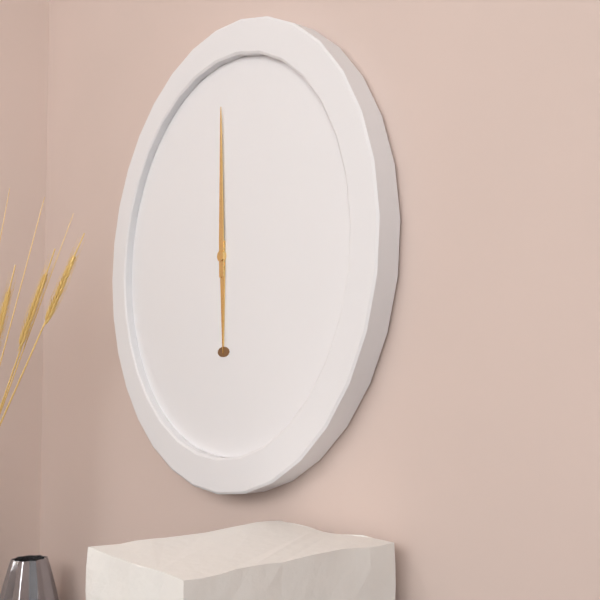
6:00
